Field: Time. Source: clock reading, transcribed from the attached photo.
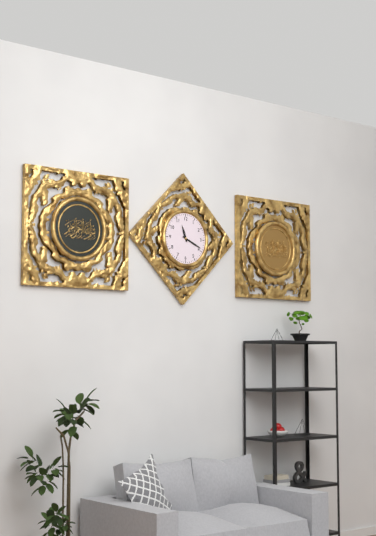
11:19
